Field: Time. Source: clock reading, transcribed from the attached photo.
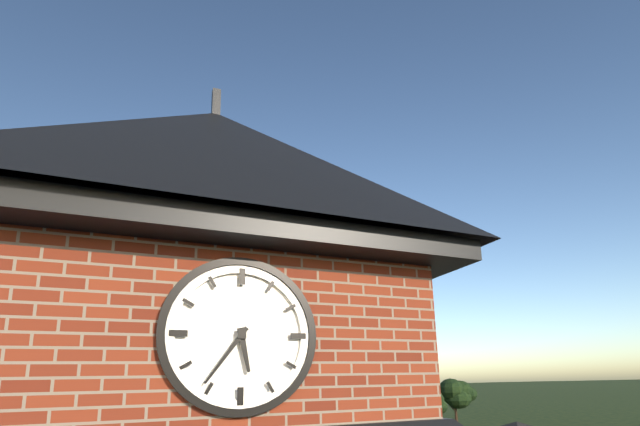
5:36
